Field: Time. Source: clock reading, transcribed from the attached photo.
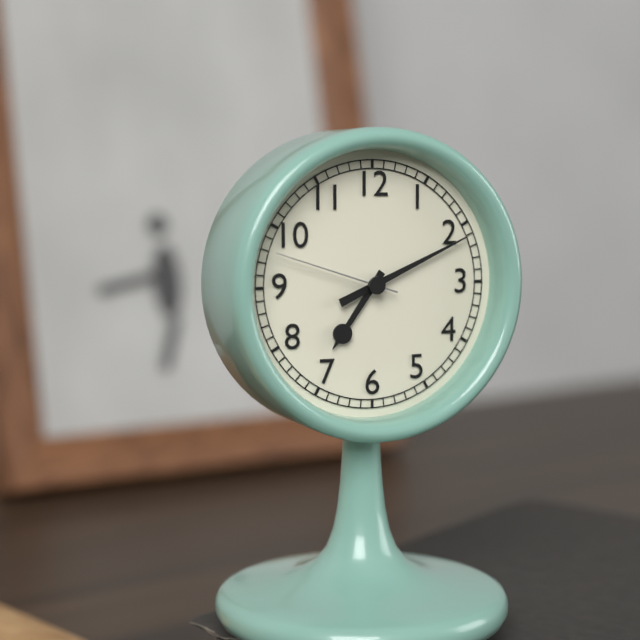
7:11:48
